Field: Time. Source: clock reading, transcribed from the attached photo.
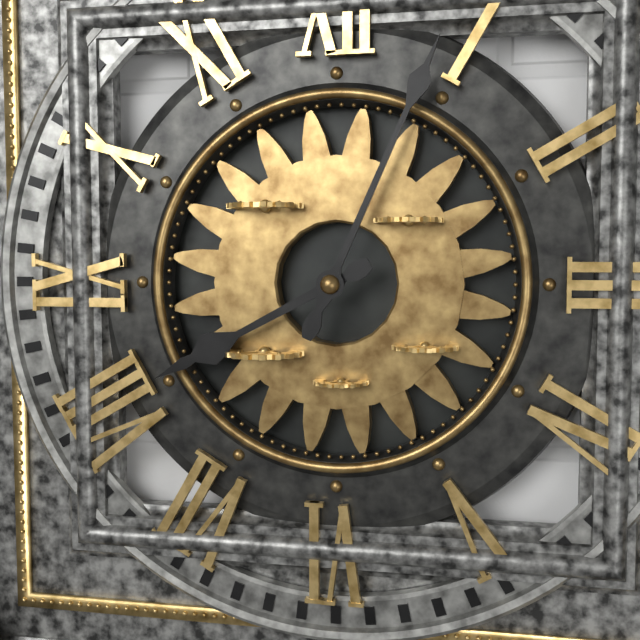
8:04
